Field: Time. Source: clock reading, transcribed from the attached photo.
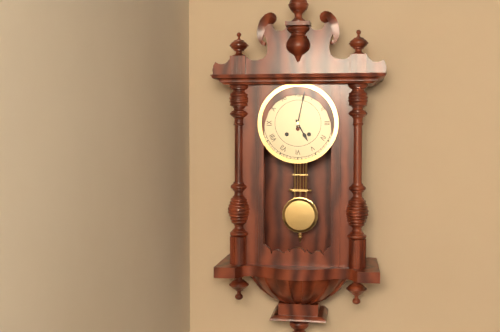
5:02
